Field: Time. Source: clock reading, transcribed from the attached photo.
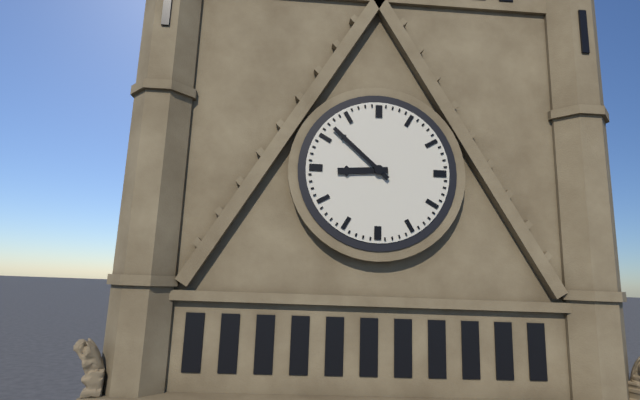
8:52
